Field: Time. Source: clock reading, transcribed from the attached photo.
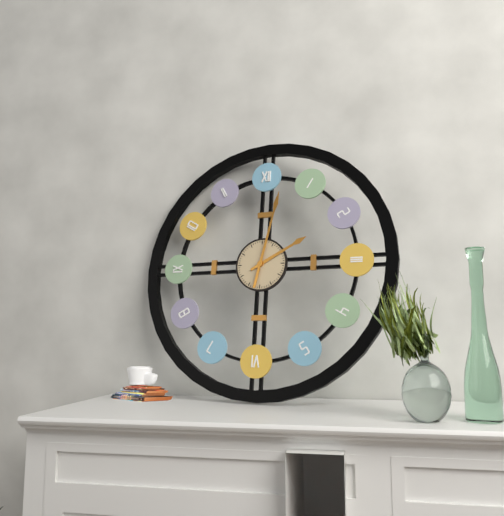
2:02
